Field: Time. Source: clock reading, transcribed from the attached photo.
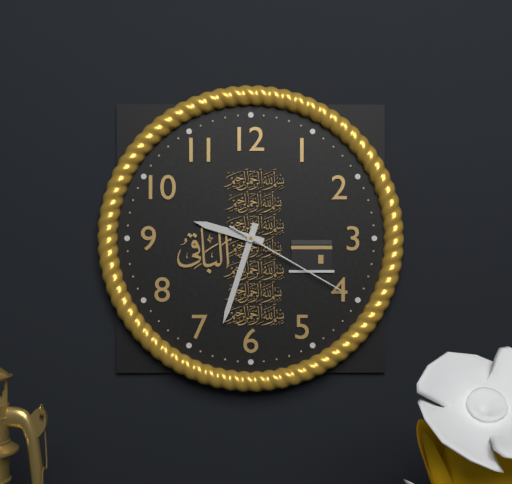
9:33:20
